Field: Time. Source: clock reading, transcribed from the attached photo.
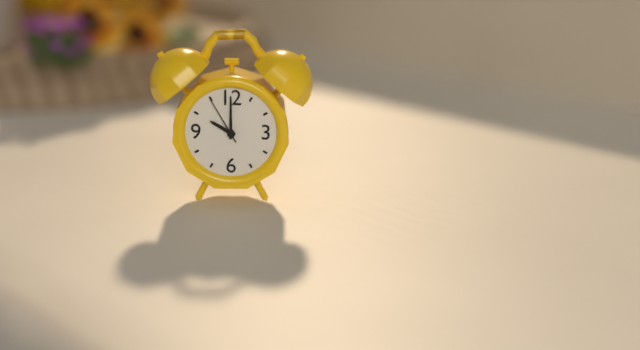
10:00:55
